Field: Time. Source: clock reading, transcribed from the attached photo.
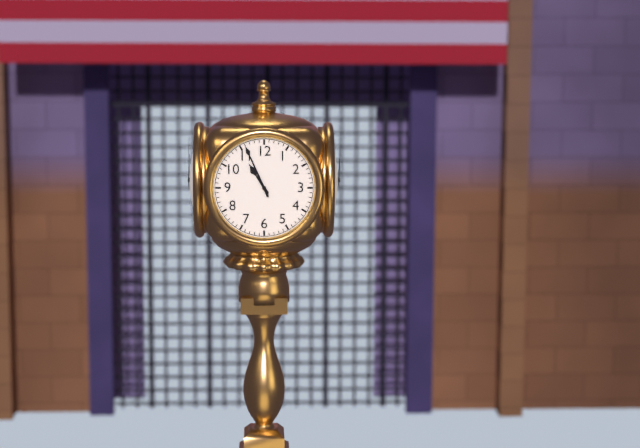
10:56
